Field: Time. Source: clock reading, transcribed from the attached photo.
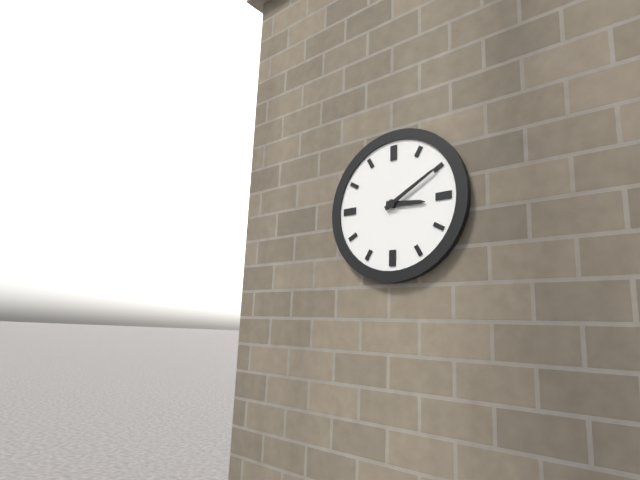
3:10
